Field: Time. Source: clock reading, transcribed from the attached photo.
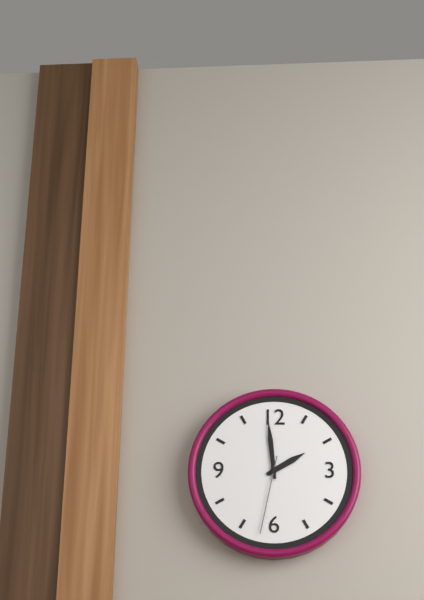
1:59:32
